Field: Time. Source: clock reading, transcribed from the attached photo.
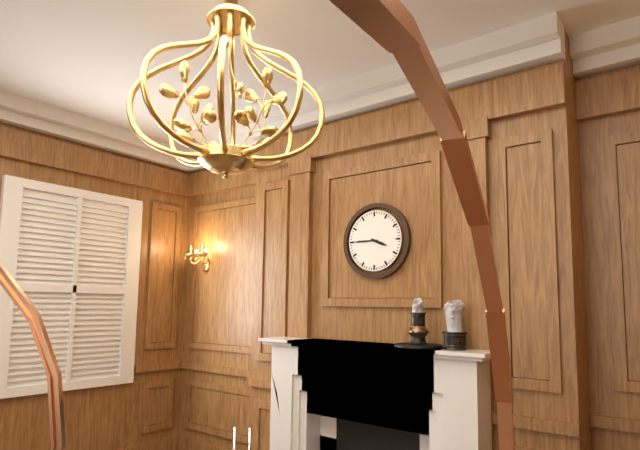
3:45
